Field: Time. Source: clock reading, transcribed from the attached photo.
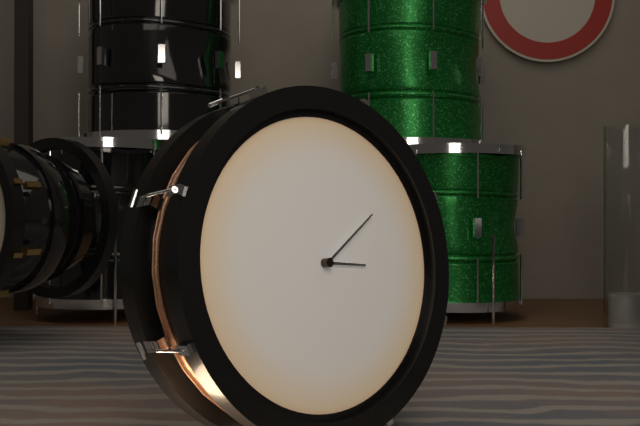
3:09
